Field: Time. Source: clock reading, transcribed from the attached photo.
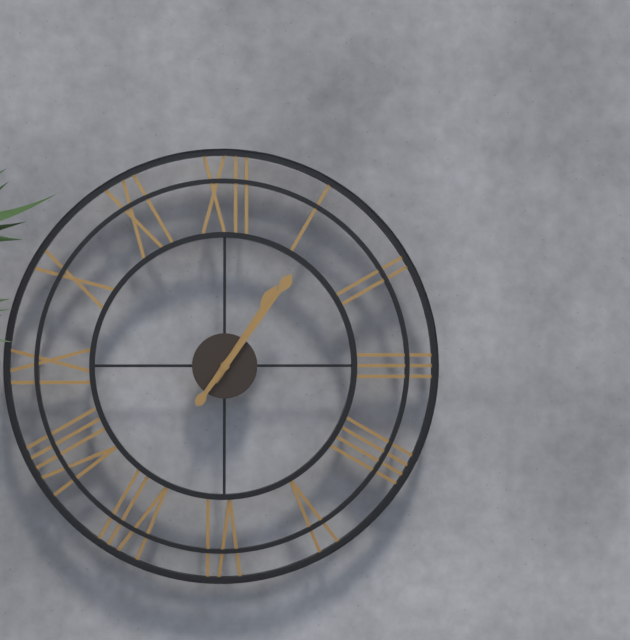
1:06
